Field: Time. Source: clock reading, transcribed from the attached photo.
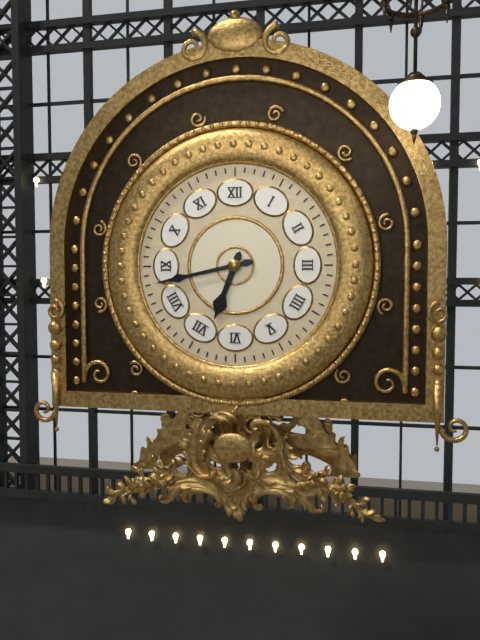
6:43
